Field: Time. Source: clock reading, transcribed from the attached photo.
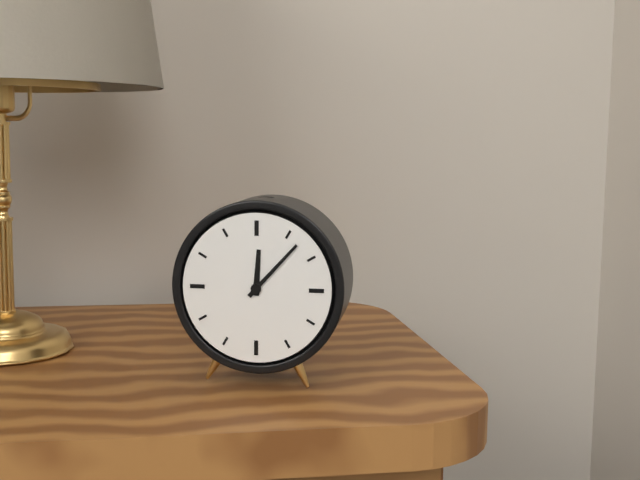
12:07
